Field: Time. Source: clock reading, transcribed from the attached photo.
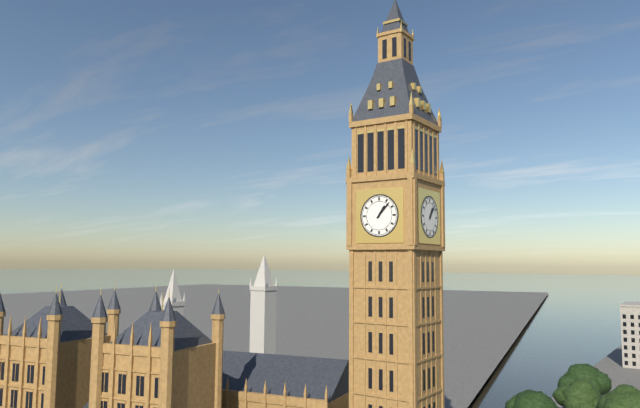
1:07
